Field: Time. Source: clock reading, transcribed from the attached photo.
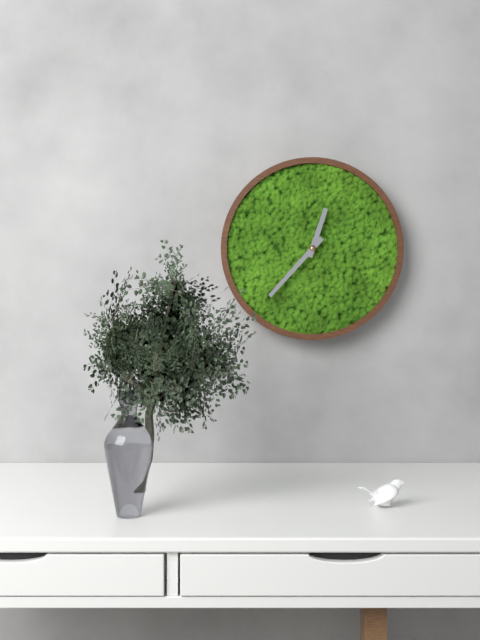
12:37
